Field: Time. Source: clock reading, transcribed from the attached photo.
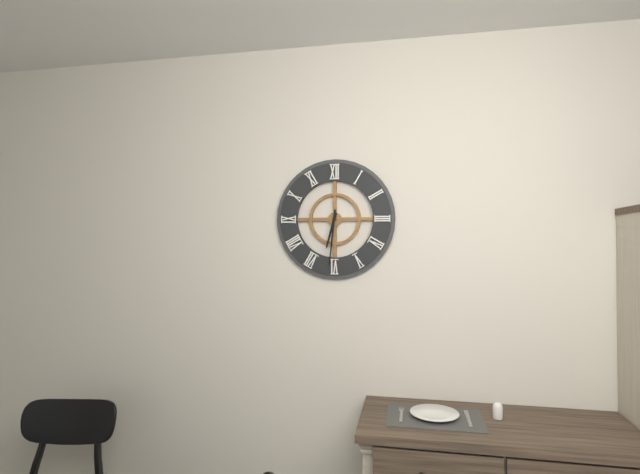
6:31
